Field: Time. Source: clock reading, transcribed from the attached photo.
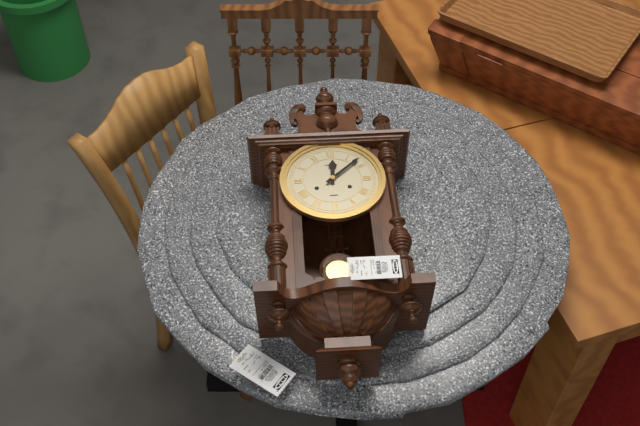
12:08
